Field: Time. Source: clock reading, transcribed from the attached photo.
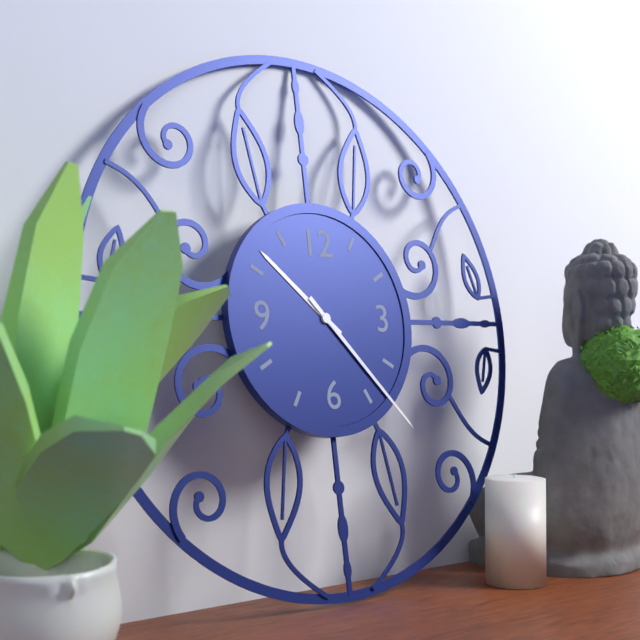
10:23
